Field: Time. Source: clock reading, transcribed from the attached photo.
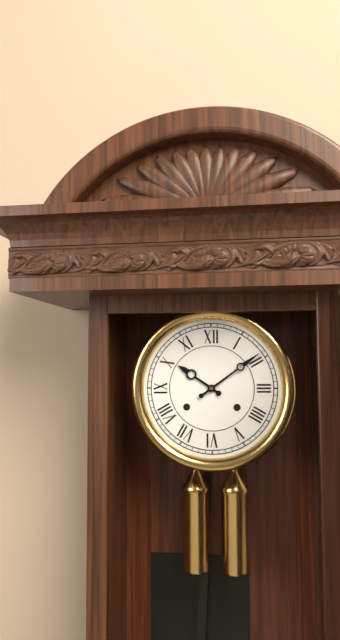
10:09
